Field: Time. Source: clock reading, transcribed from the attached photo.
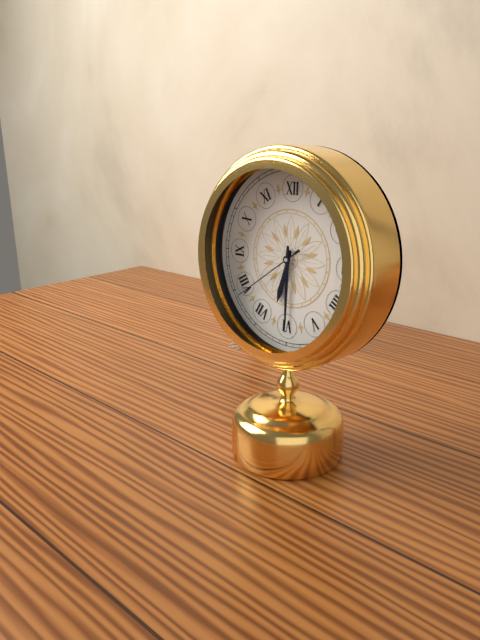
6:30:39
